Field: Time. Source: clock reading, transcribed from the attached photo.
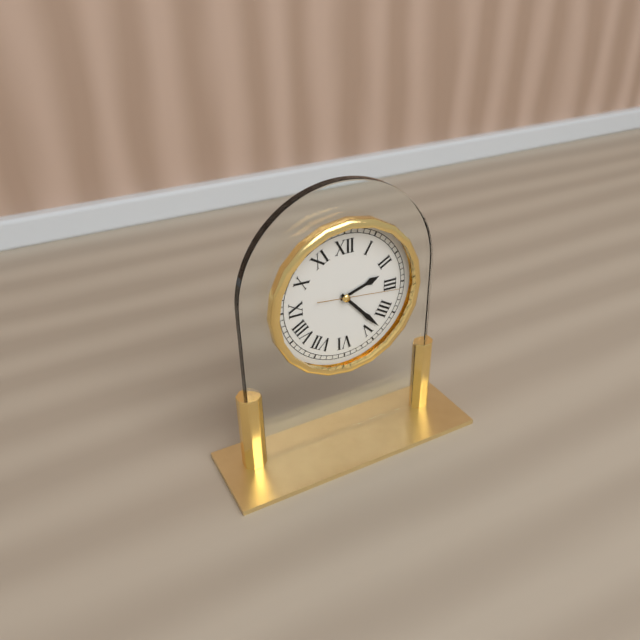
2:23:16
